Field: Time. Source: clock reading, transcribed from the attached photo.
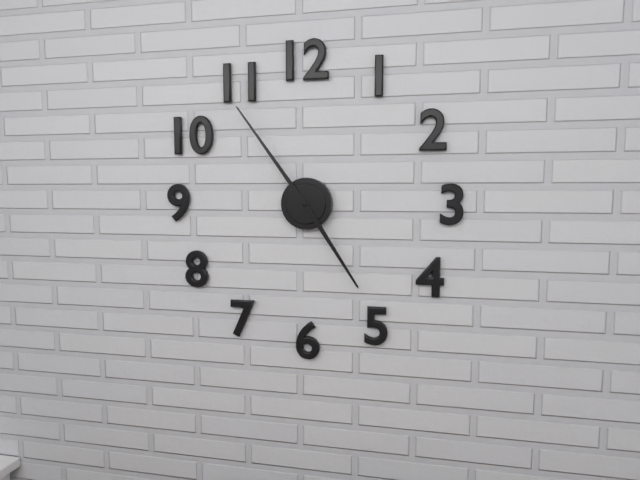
4:54
